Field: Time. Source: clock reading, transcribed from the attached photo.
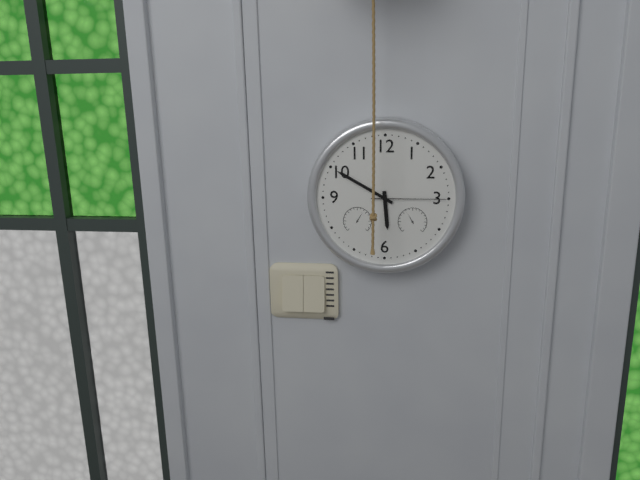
5:50:15
